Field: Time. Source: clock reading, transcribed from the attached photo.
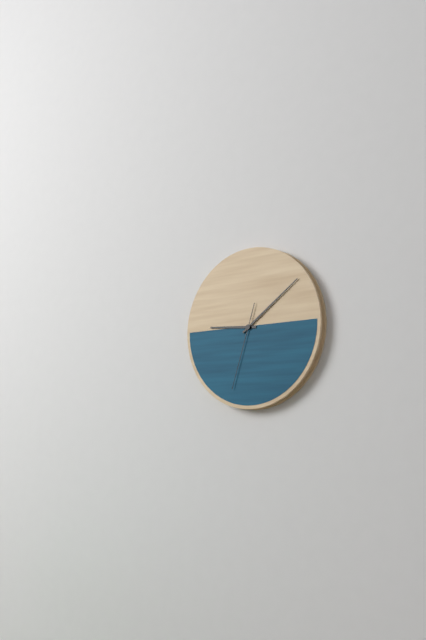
9:09:33
